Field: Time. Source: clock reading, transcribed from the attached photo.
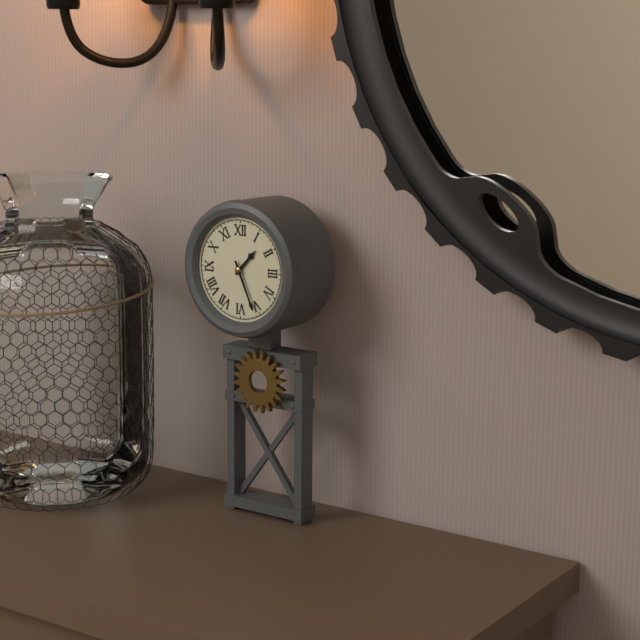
1:26
